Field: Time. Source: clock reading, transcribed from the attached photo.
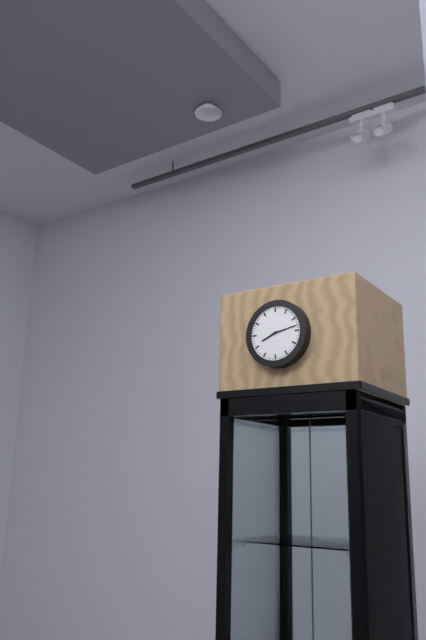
8:13
